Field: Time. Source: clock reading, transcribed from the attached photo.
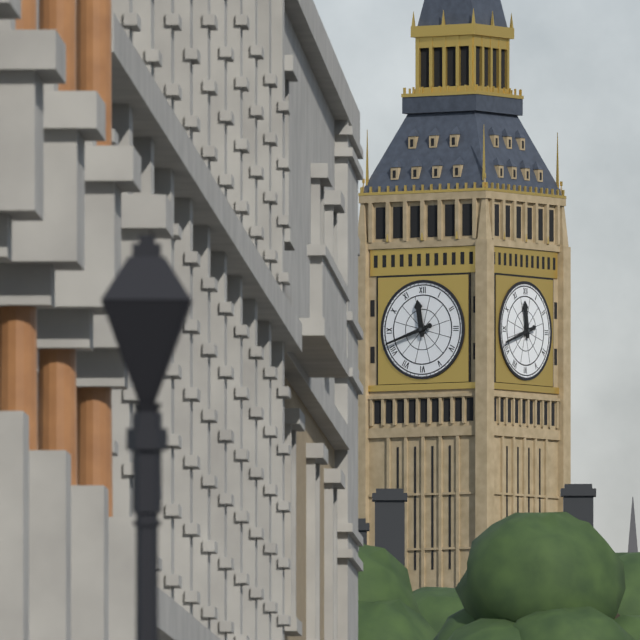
11:42
